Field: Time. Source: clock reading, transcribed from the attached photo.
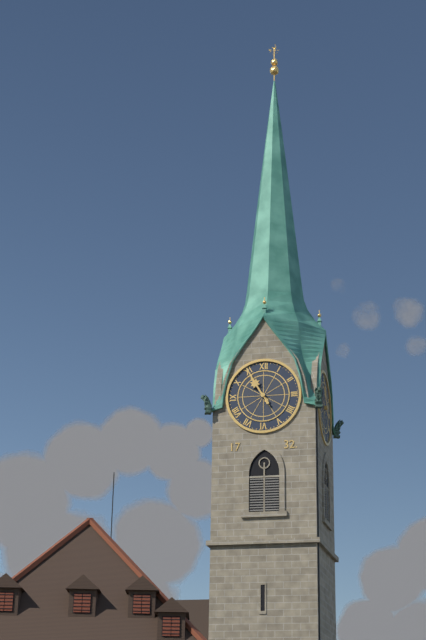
10:55
